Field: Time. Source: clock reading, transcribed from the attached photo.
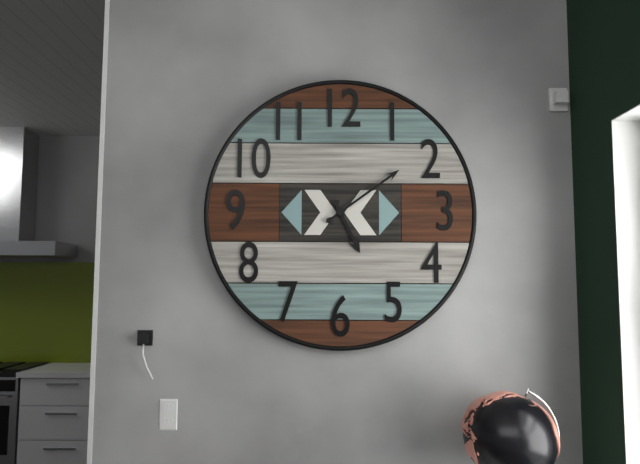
5:09
